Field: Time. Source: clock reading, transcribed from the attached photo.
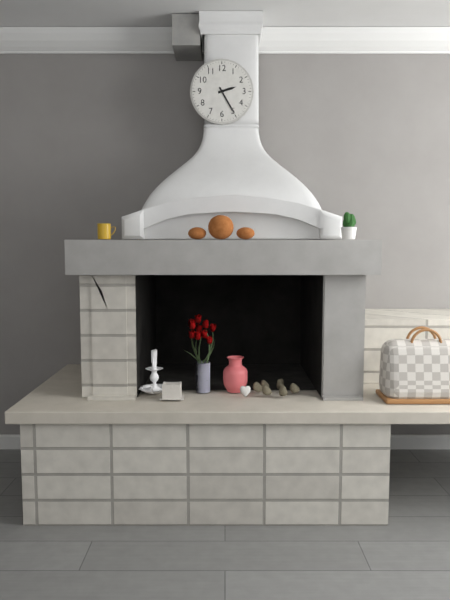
2:25
